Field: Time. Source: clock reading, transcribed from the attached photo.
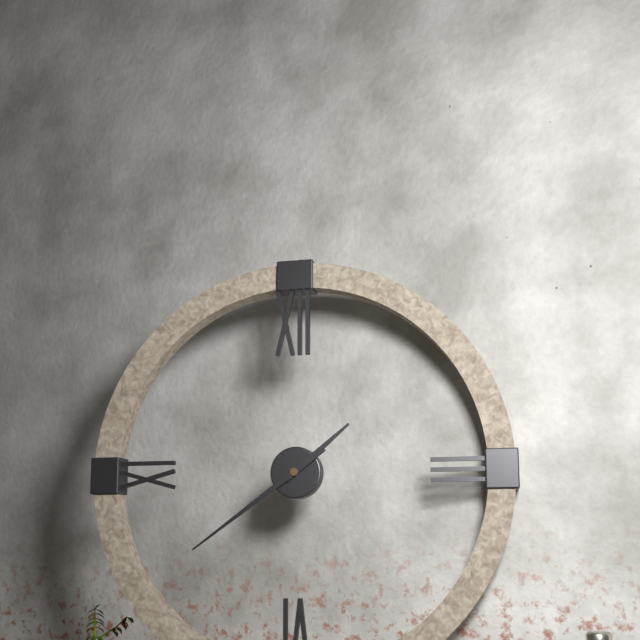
1:39
